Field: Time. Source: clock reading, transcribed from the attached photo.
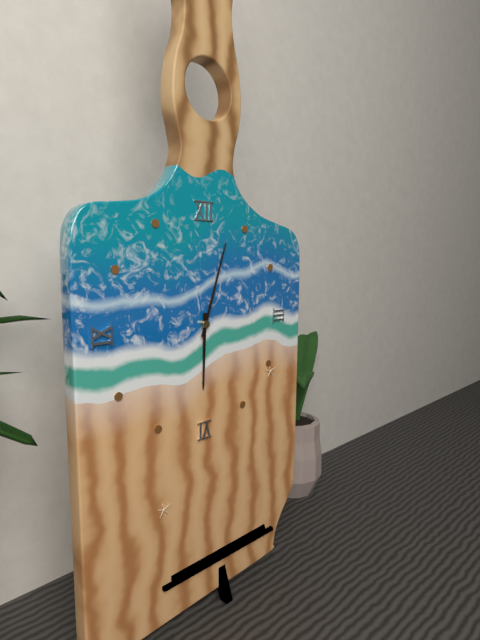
6:03
